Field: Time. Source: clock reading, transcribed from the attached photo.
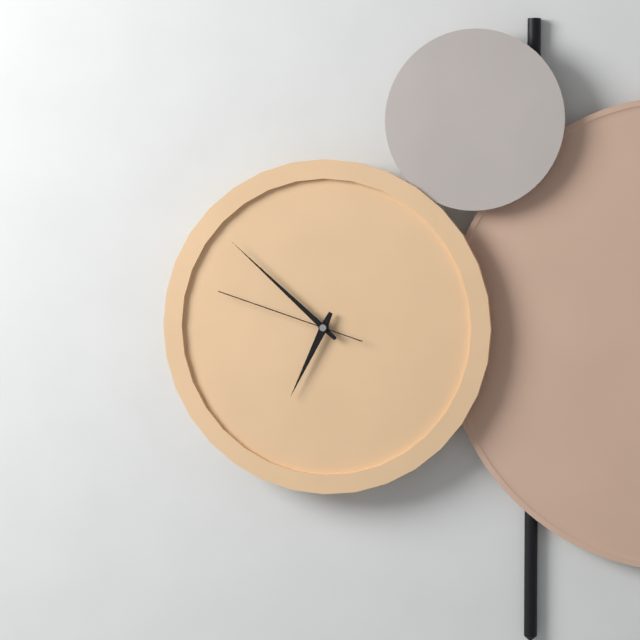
6:52:48
